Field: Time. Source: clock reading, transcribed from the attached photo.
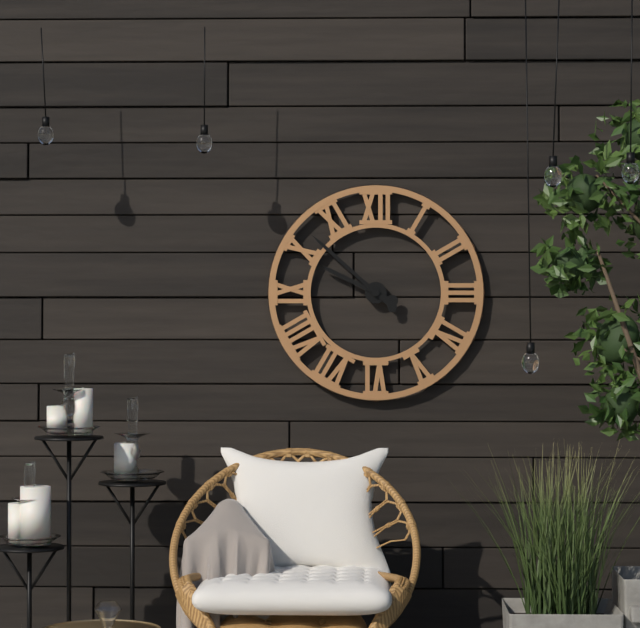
9:52
